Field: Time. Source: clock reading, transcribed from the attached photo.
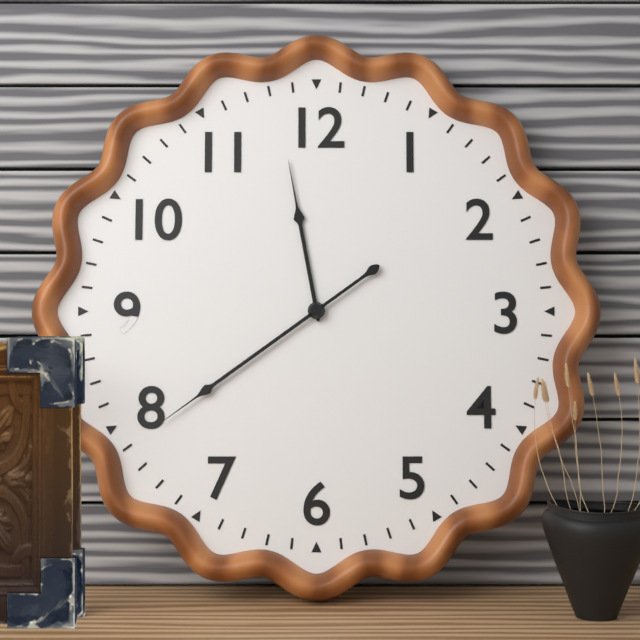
11:39
